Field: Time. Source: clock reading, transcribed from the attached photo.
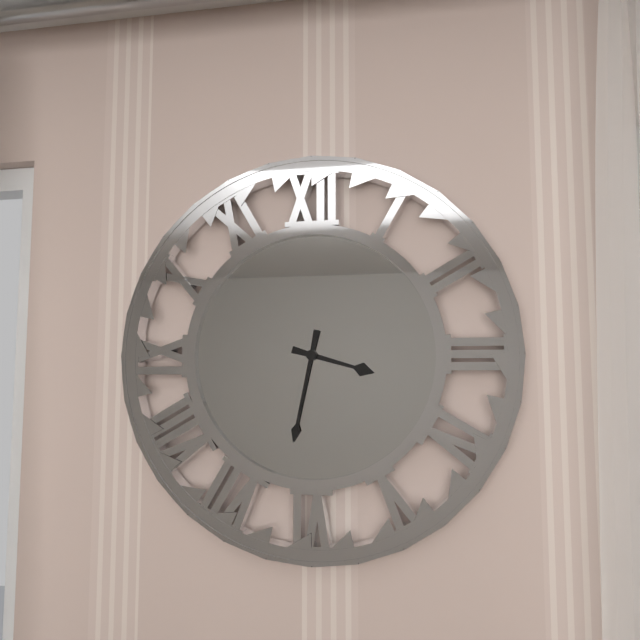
3:32
